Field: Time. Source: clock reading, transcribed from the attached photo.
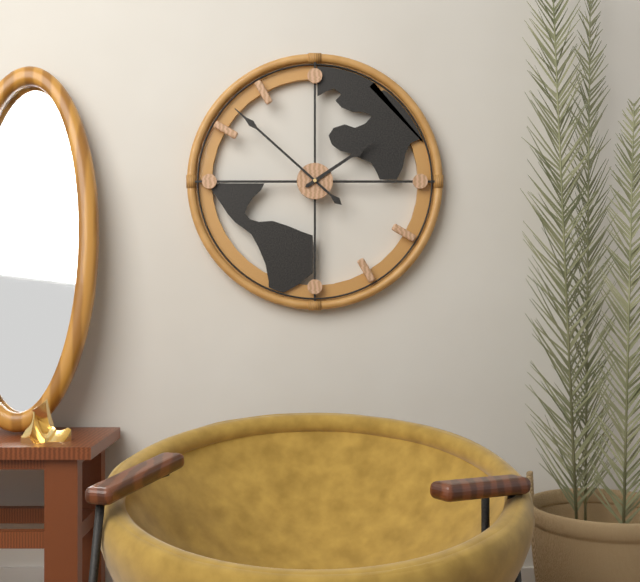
1:52
